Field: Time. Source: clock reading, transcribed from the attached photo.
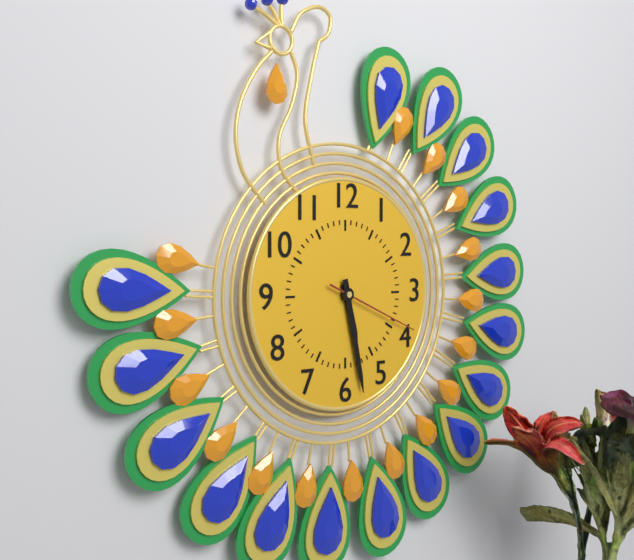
5:28:19
